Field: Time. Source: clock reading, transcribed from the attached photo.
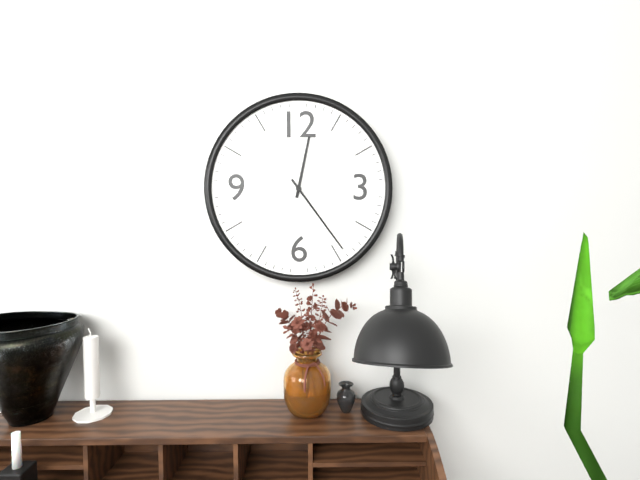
12:24
